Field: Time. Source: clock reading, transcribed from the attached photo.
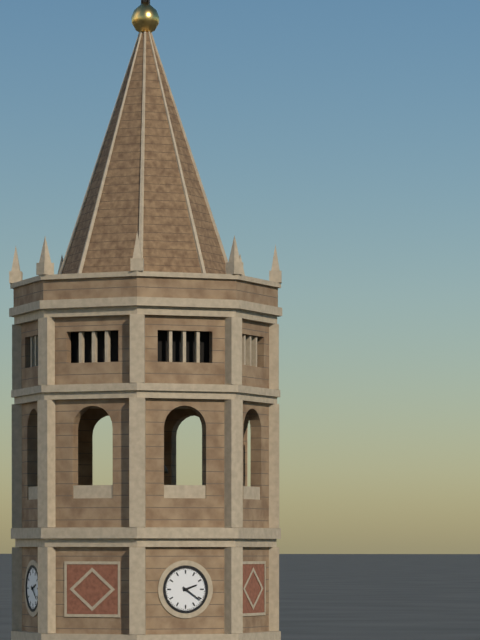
2:21
